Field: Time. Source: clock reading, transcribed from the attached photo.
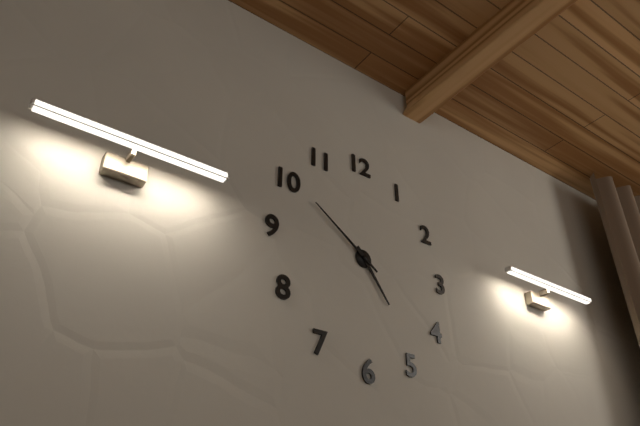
4:51
